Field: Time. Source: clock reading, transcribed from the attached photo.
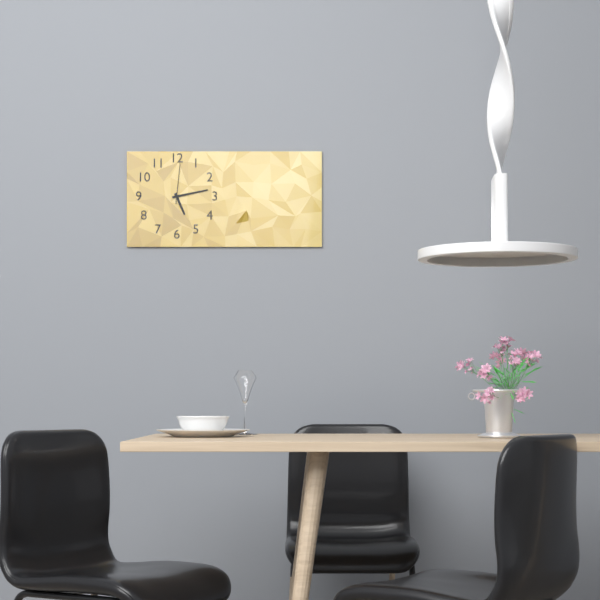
5:13
